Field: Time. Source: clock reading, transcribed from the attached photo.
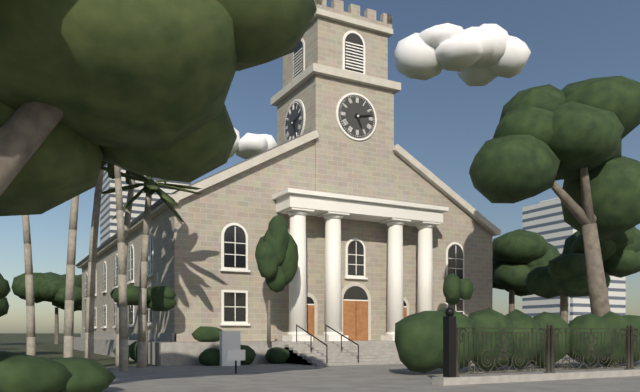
5:13
